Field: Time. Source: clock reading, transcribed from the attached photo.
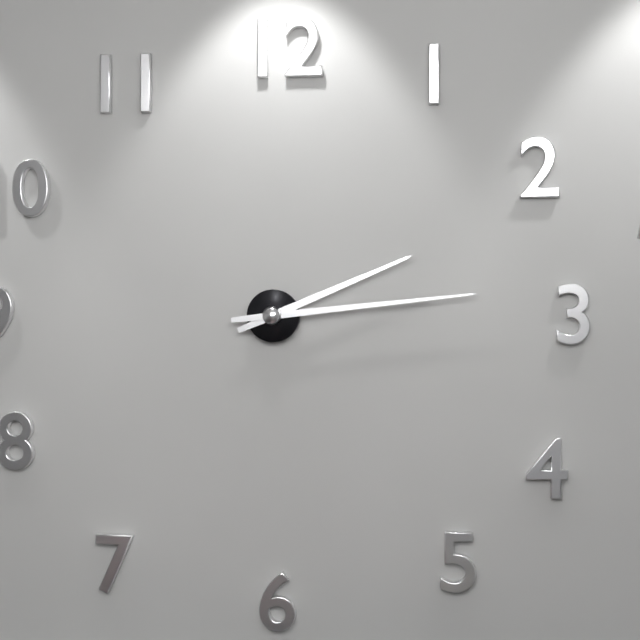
2:14
